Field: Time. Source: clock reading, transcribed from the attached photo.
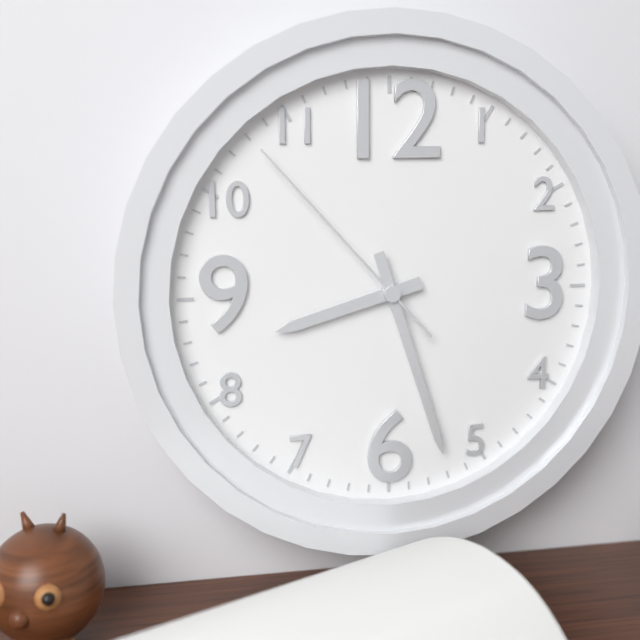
8:27:53
